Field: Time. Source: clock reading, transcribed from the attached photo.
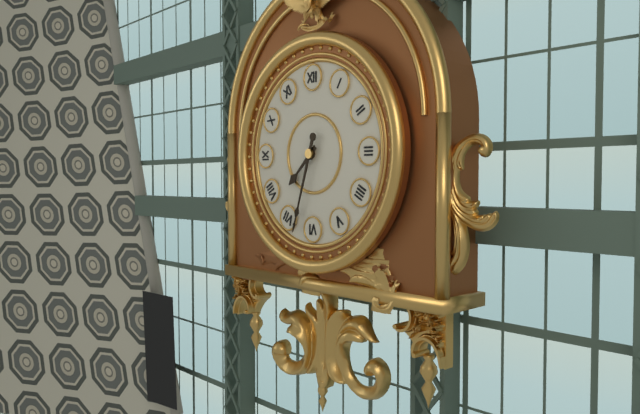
7:33
